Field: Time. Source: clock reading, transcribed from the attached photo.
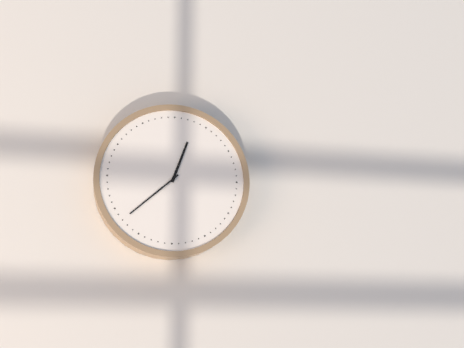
12:38
